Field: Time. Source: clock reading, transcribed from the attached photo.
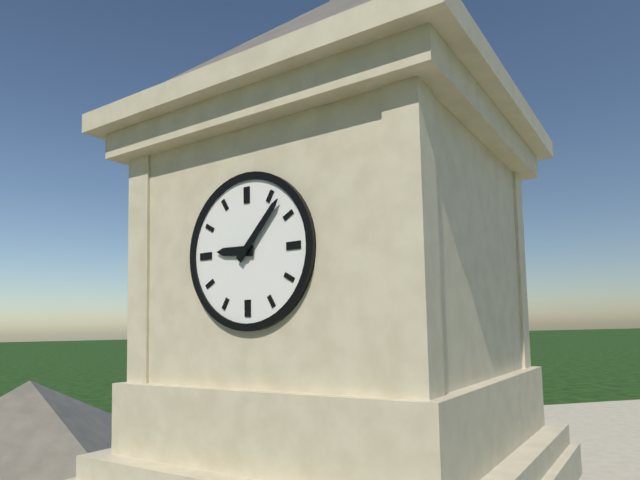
9:07
